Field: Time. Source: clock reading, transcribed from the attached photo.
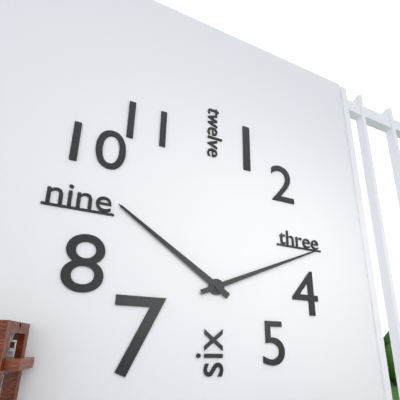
10:11
